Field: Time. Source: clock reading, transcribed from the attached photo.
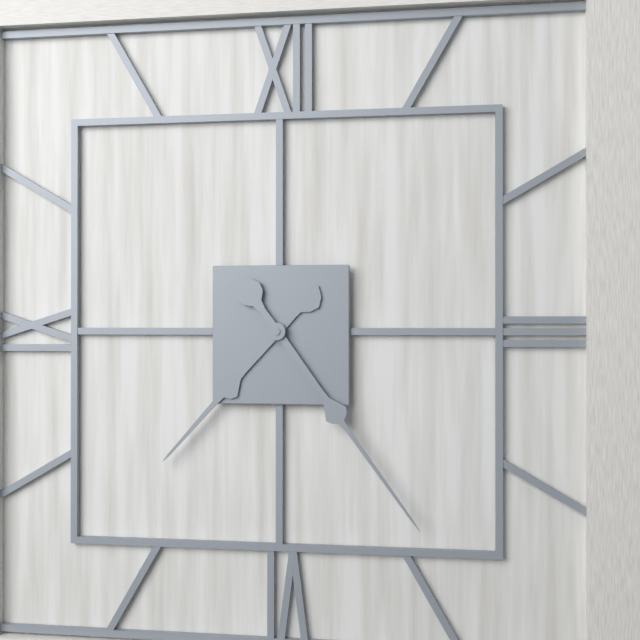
7:24
